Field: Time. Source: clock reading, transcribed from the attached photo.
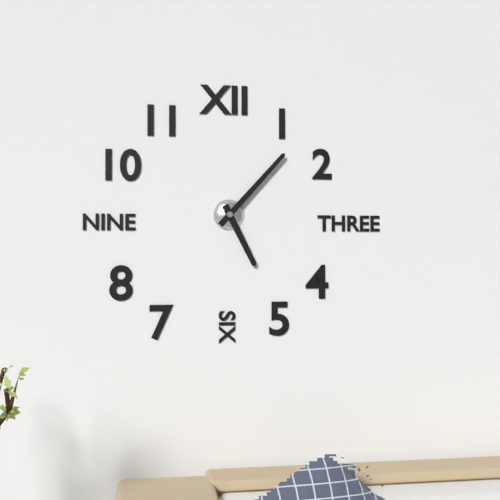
5:07
